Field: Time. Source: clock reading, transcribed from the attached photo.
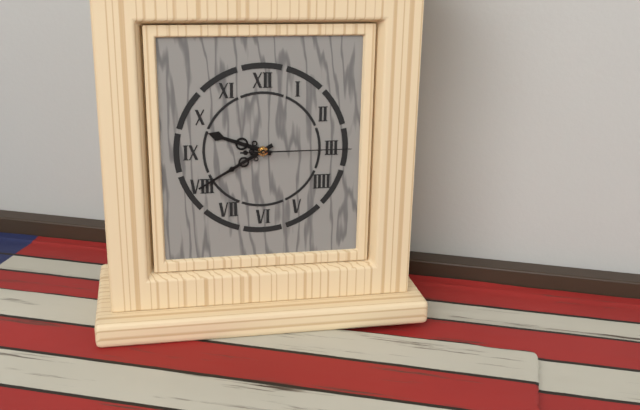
9:40:15
